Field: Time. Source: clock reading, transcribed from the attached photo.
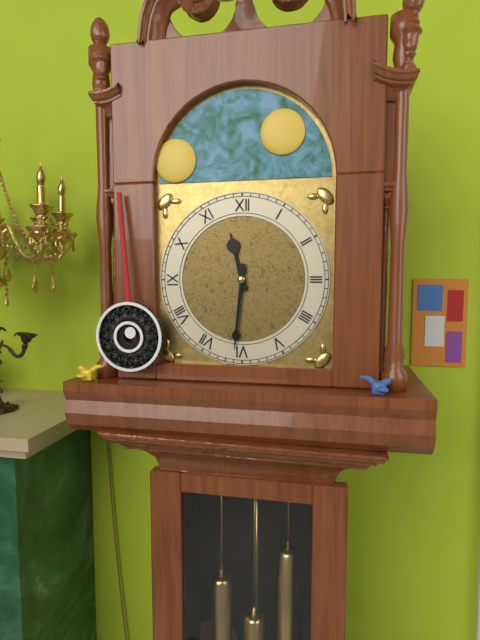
11:31
